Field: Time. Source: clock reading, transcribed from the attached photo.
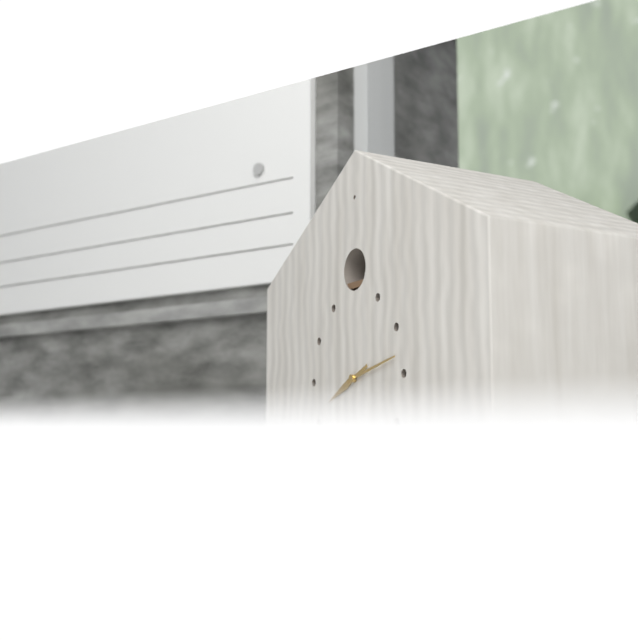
8:13
